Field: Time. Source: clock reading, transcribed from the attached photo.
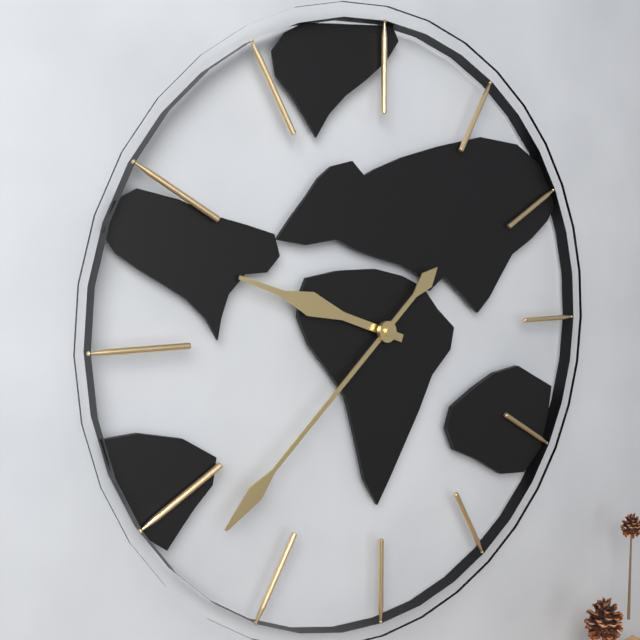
9:38
